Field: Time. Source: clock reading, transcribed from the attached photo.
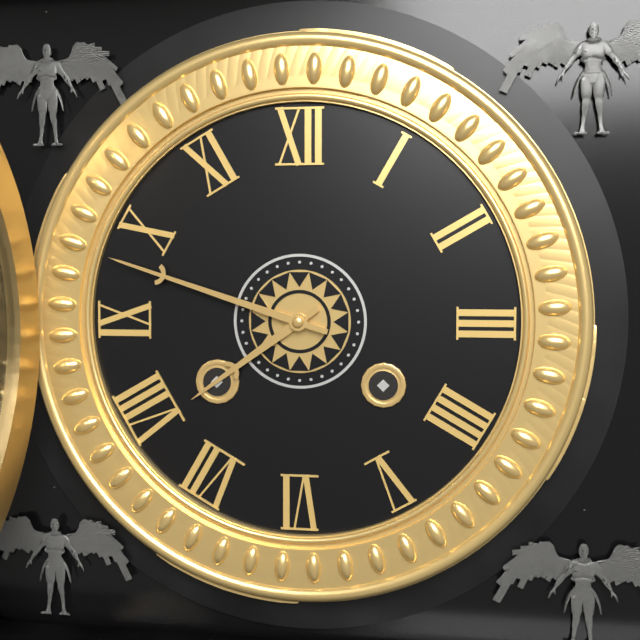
7:48
